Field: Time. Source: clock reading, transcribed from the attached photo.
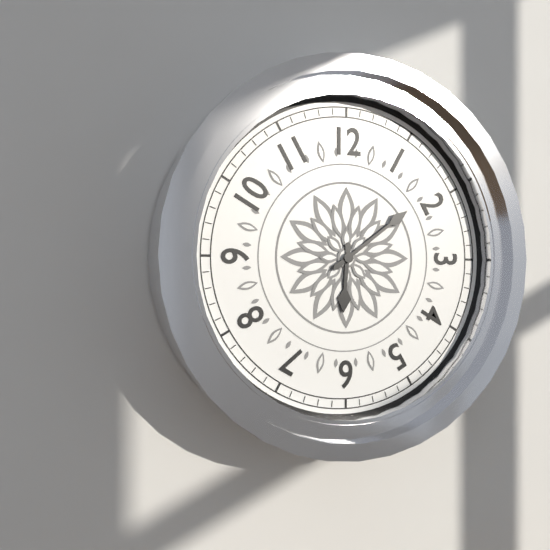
6:09
